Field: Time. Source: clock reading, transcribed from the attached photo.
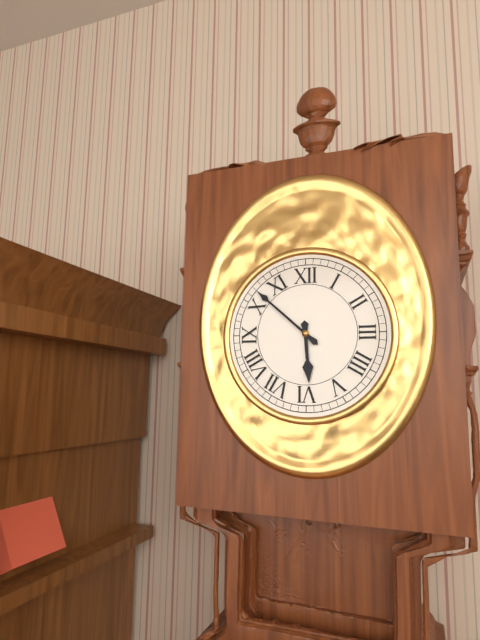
5:52
